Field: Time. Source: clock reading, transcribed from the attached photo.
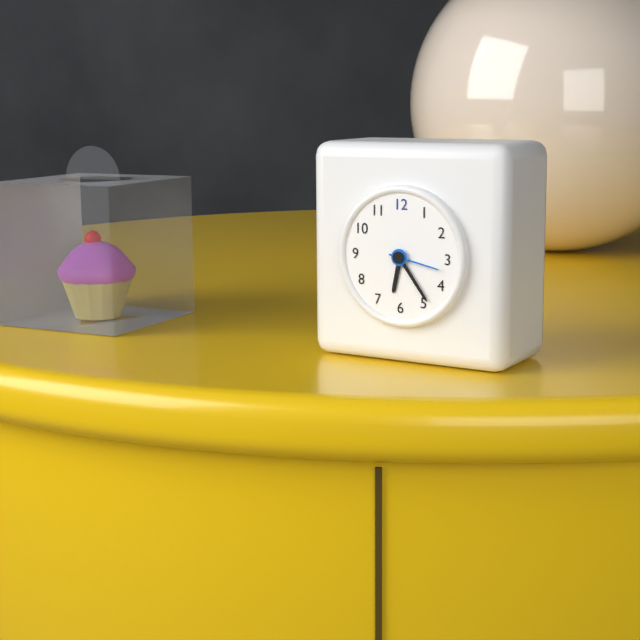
6:24:17
